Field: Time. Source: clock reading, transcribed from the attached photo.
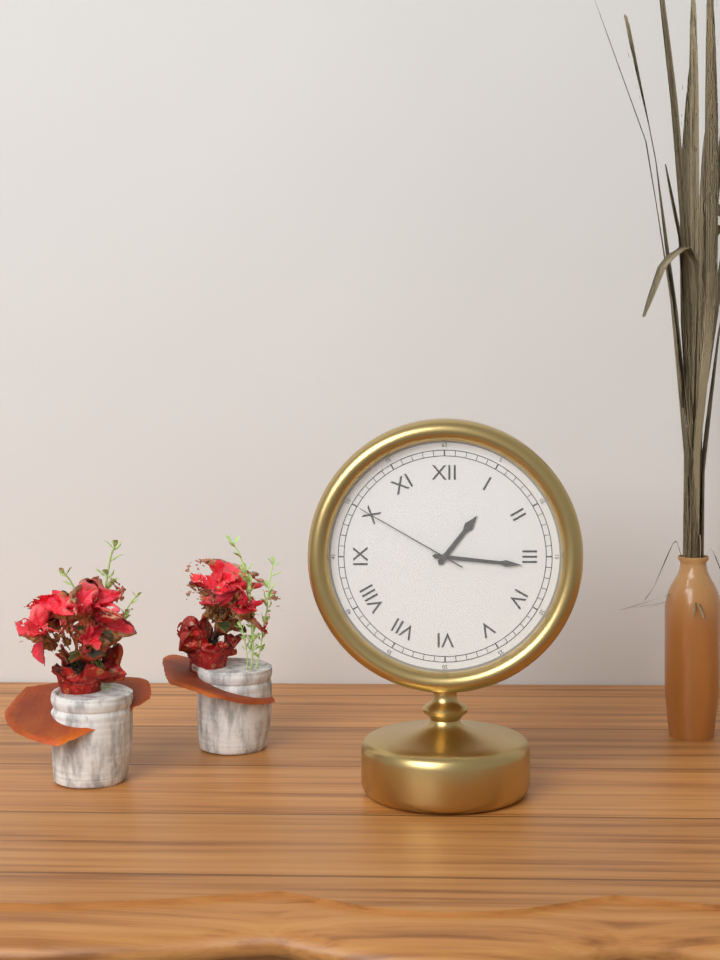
1:16:50
